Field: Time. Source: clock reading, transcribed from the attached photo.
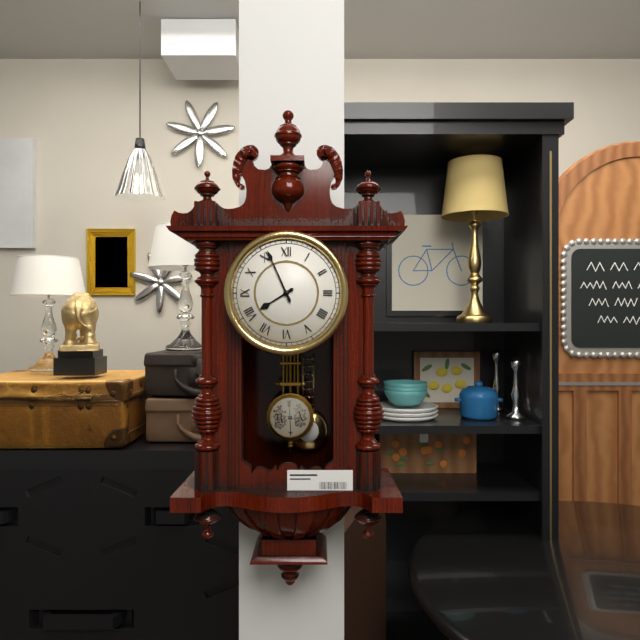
7:56
